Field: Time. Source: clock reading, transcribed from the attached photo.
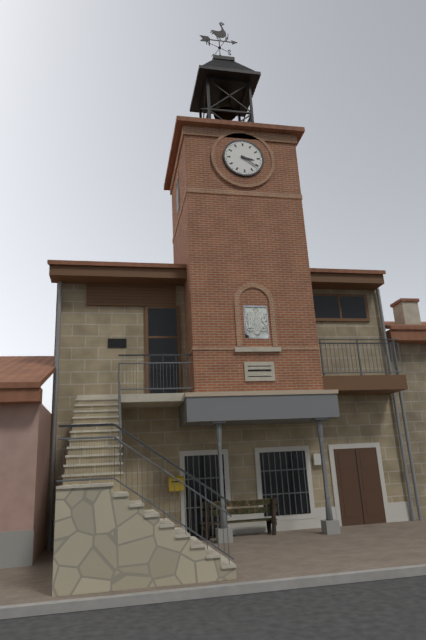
3:21
